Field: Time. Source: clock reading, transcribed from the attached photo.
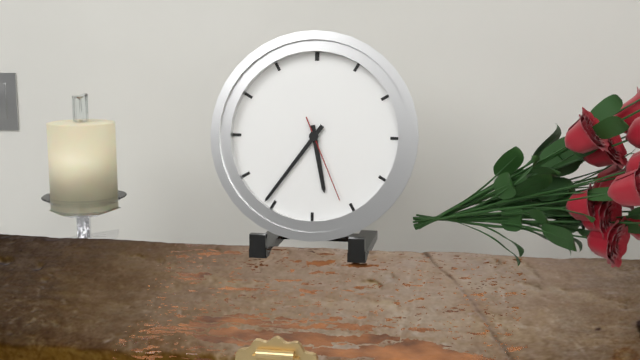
5:36:26
